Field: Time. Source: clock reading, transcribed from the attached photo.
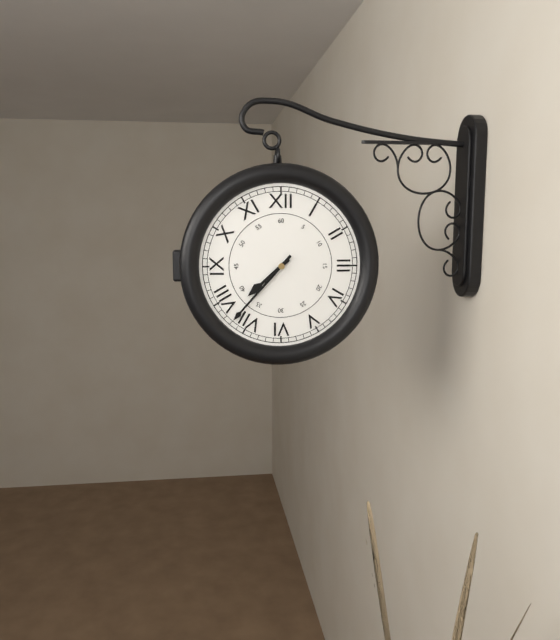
7:37
